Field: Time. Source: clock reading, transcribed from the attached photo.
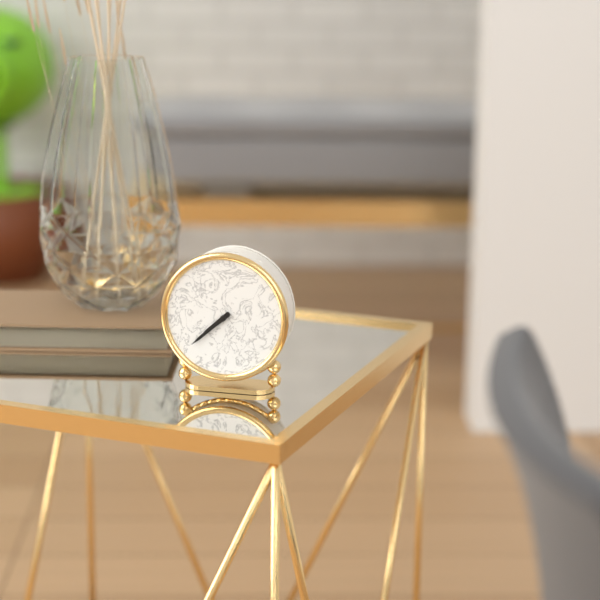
7:38
